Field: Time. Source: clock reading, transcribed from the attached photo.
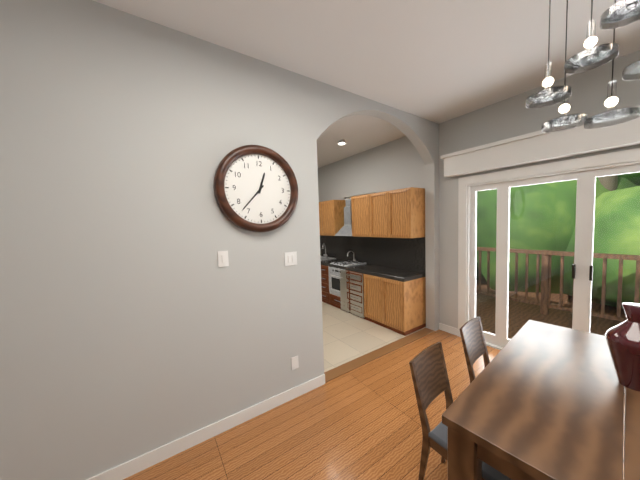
12:37
